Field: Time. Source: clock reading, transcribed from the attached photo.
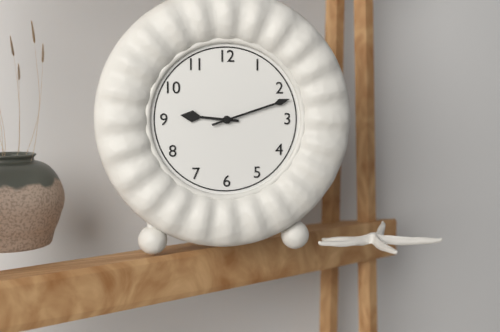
9:12
